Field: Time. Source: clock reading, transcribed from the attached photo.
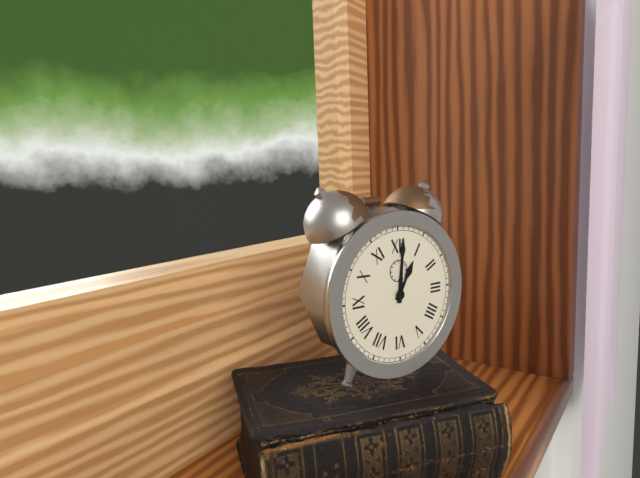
1:01
